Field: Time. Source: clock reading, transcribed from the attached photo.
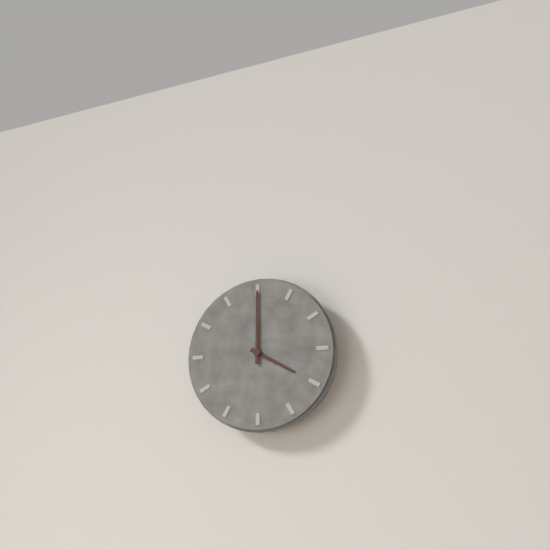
4:00
